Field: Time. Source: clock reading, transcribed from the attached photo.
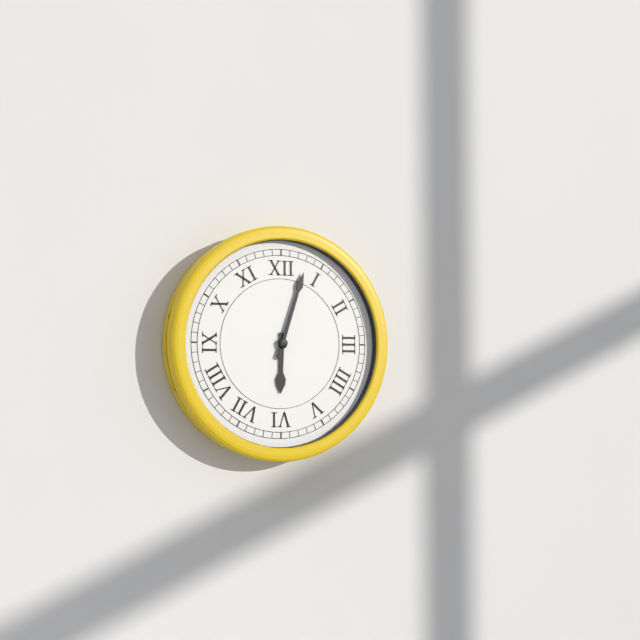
6:03
